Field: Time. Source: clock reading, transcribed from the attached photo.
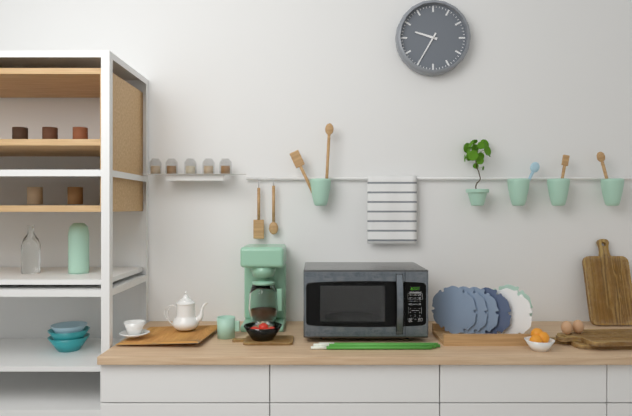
9:35
